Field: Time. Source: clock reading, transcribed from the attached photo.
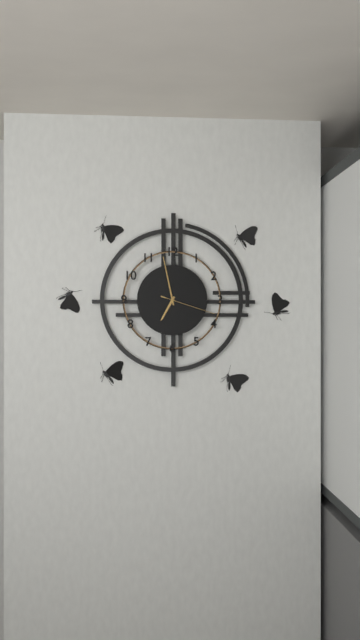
6:58:18
